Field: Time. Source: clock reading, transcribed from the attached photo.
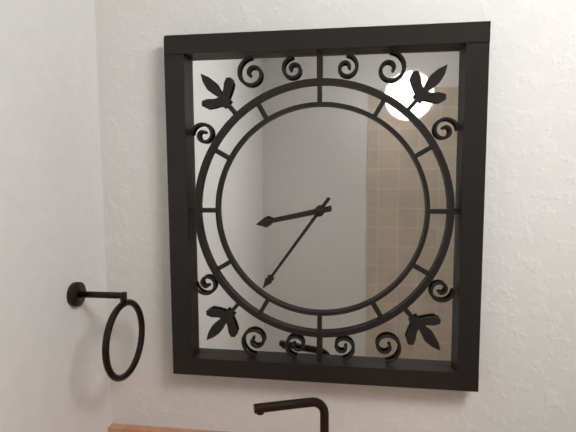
8:36
